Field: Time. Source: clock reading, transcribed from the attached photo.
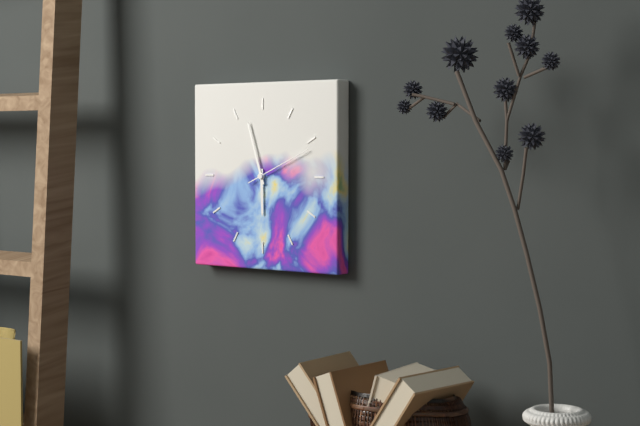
5:57:11
